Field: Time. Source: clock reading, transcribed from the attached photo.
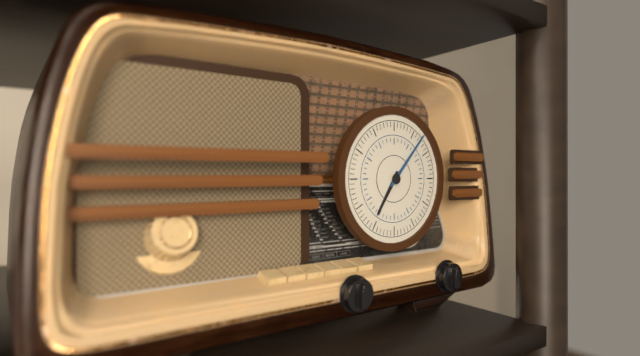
7:07
